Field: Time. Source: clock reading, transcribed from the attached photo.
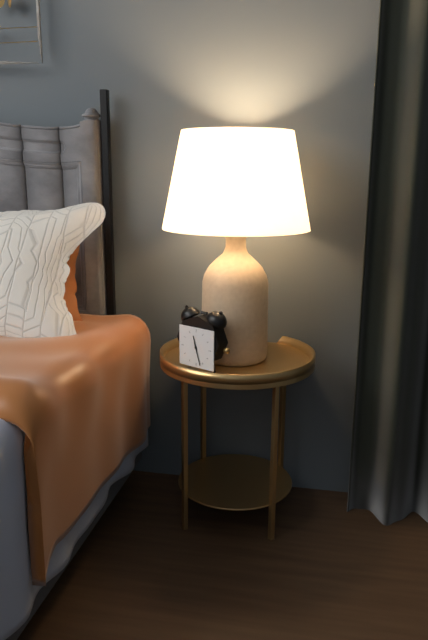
11:27
